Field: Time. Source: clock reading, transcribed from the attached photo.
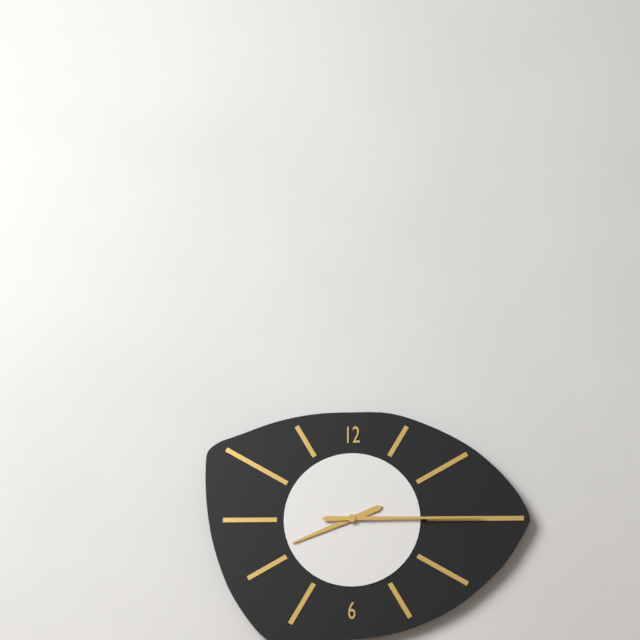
8:15
